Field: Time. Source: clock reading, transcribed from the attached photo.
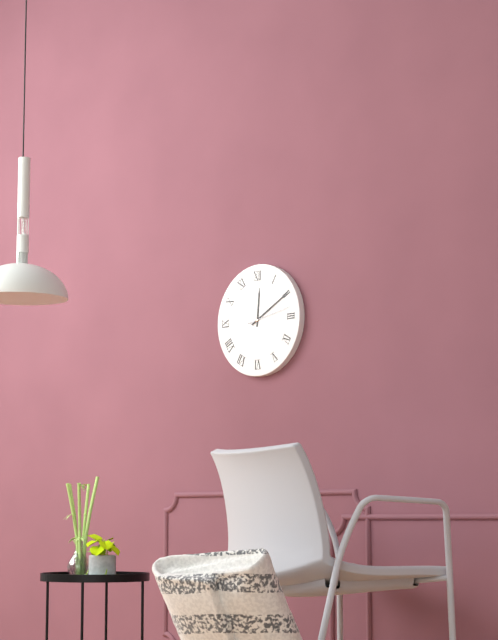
12:10
